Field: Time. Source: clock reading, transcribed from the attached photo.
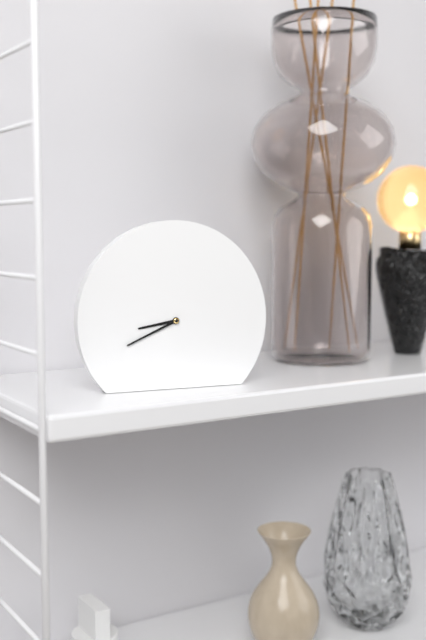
8:41
